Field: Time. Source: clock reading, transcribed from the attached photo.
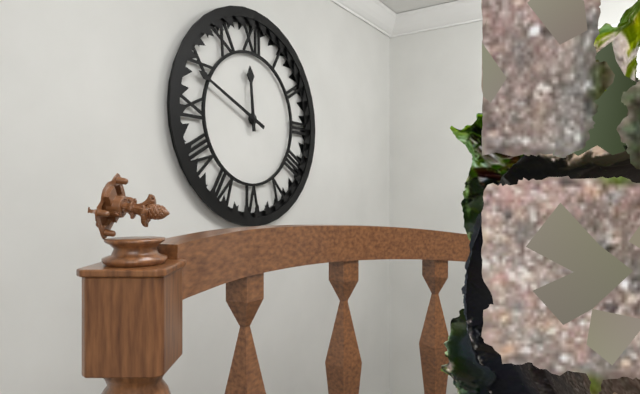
11:49
